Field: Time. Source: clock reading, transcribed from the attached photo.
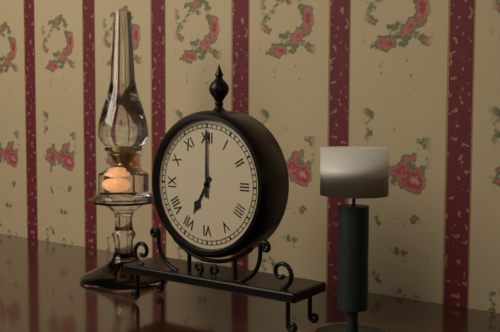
7:00
